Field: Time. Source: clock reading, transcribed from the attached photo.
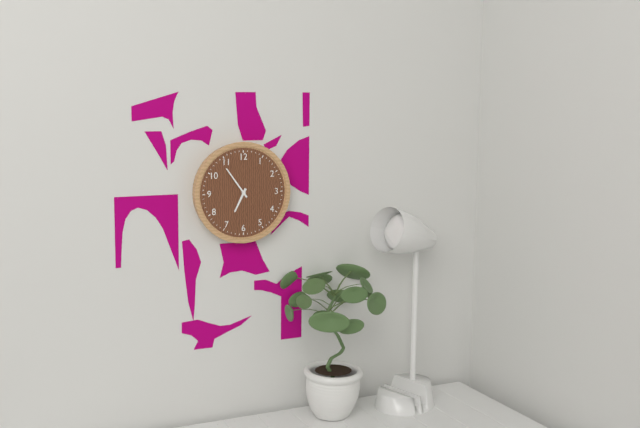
6:54
